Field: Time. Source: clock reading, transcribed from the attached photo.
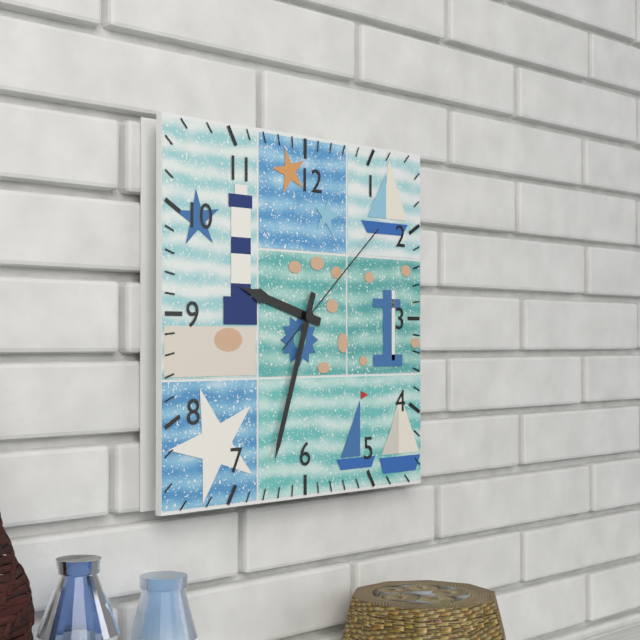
9:33:08
